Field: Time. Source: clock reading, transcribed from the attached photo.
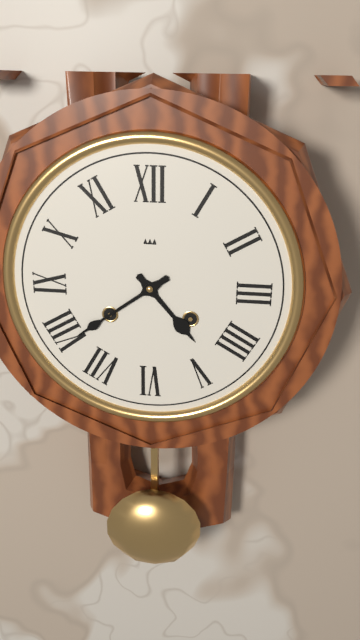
4:39
